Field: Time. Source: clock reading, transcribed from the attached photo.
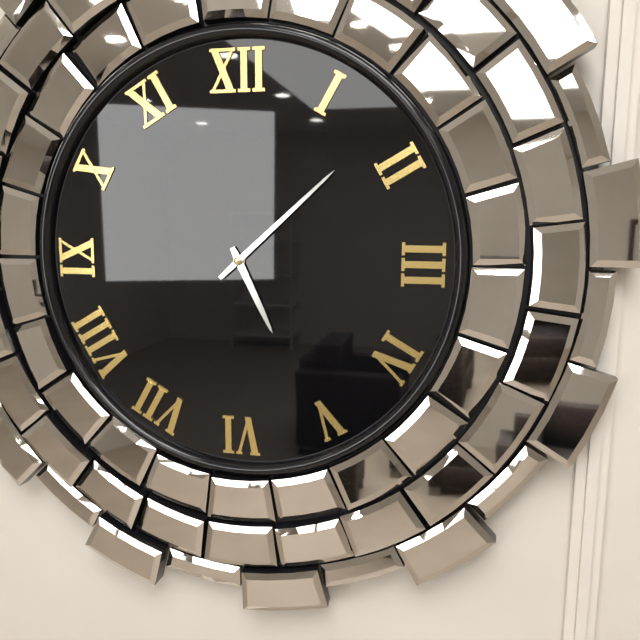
5:08
